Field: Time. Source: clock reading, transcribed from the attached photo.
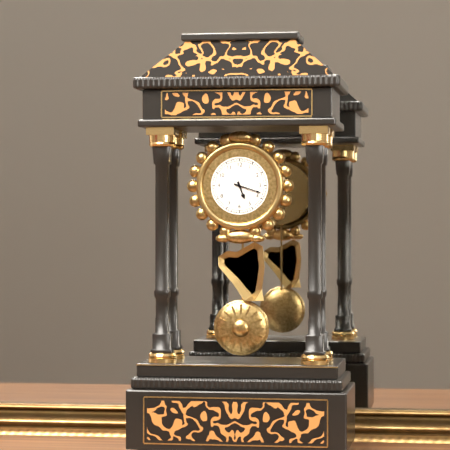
5:18
